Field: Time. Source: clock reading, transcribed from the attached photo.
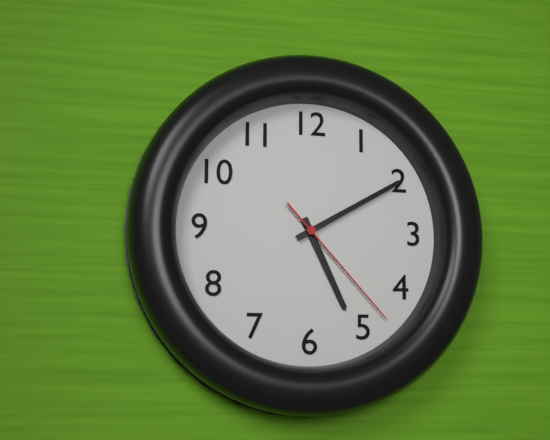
5:10:23
